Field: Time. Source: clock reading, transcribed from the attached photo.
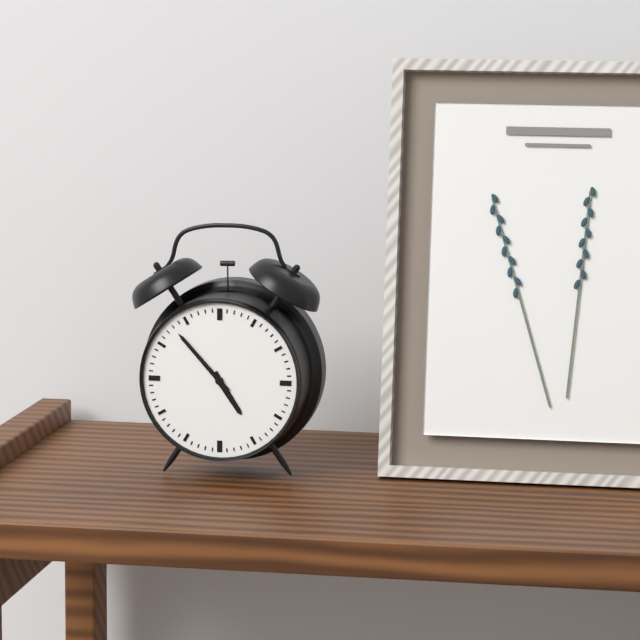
4:53
